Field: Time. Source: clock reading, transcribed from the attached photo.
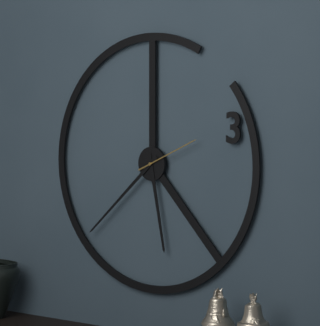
5:38:11
